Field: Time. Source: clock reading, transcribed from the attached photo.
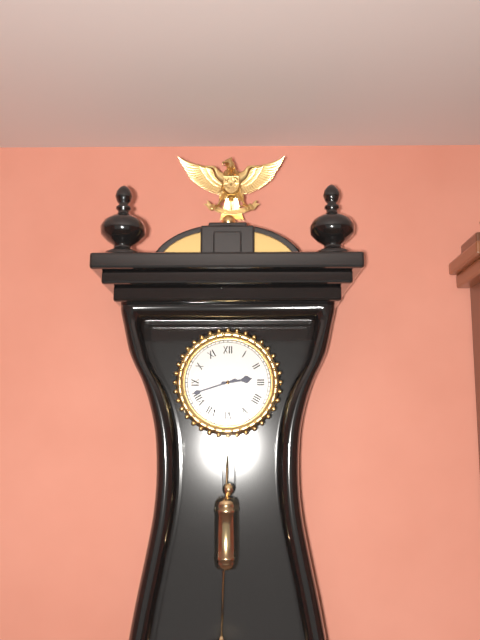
2:42
